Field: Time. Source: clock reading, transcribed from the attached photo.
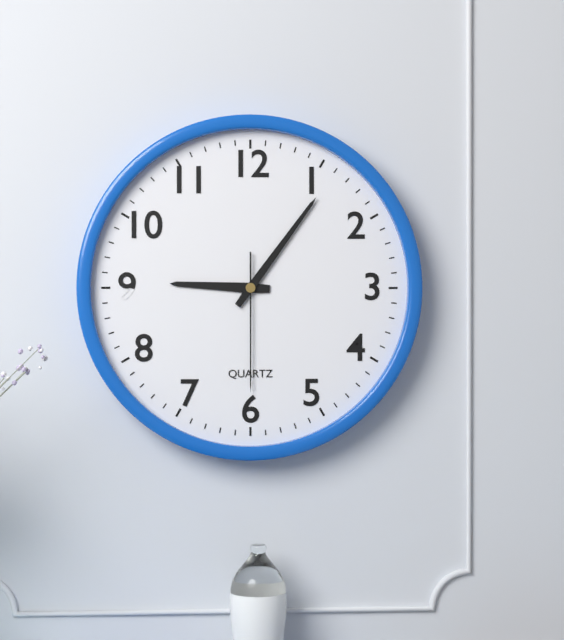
9:06:30
